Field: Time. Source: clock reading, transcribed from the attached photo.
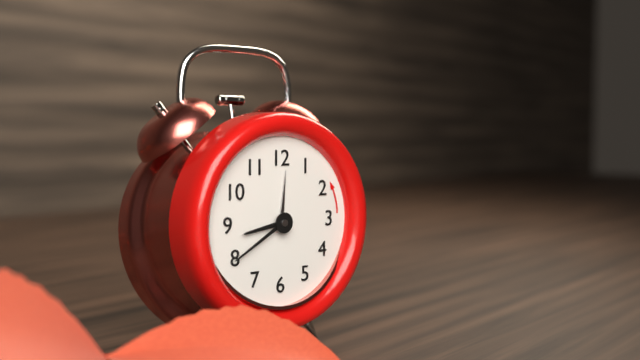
8:40:01
